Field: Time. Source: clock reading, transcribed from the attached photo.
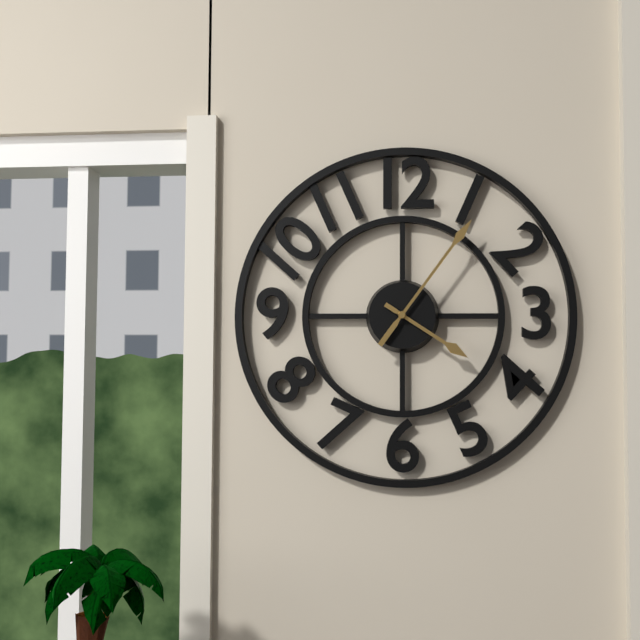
4:06
